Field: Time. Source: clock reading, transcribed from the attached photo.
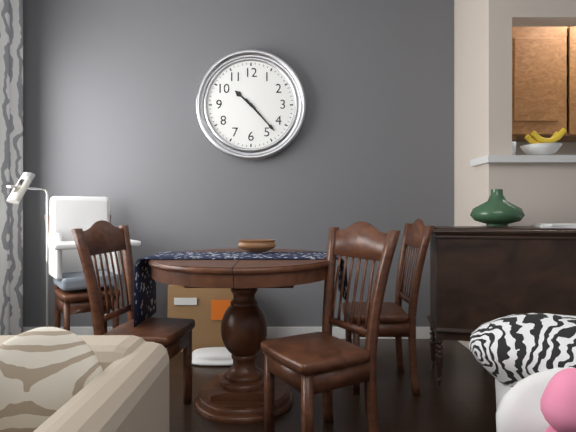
10:23
